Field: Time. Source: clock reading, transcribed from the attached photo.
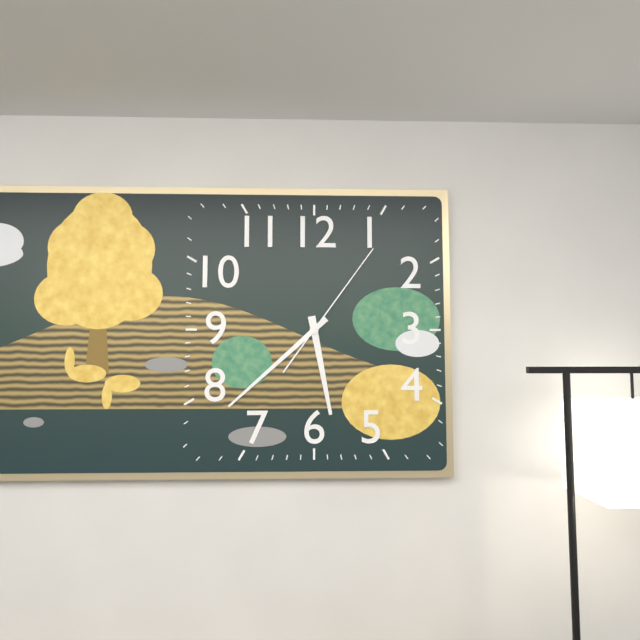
5:38:06
